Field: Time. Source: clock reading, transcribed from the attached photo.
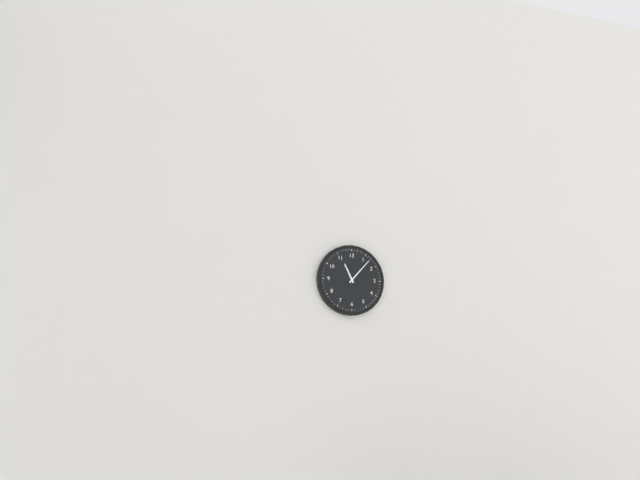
11:07
